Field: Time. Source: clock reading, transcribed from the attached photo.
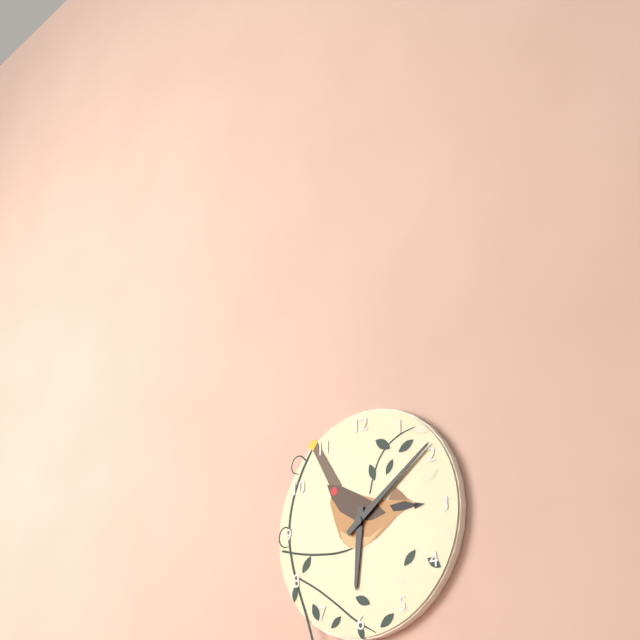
6:09
